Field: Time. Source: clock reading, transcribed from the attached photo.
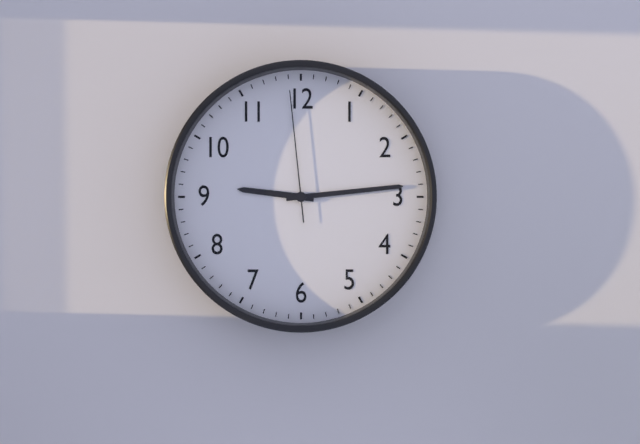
9:14:59
